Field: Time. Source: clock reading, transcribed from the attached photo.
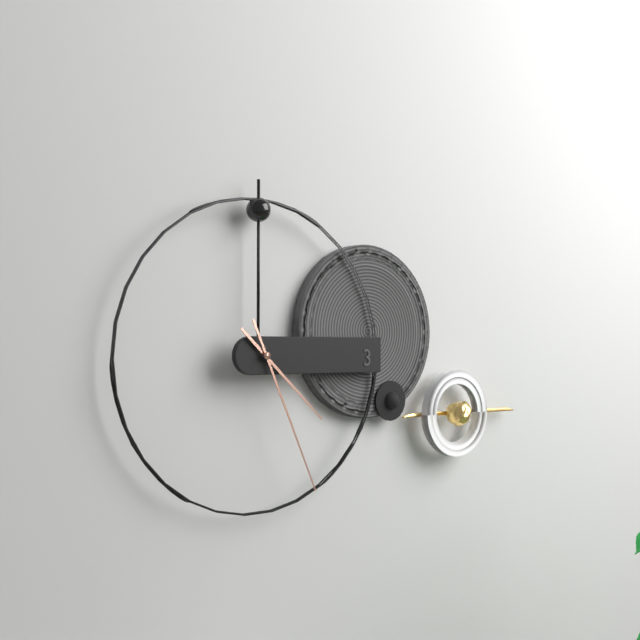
4:26
